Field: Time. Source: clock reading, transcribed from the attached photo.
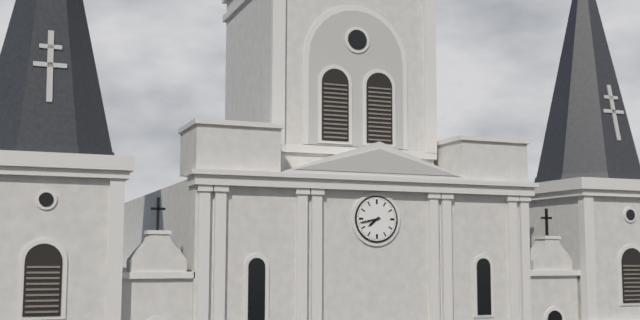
7:43
